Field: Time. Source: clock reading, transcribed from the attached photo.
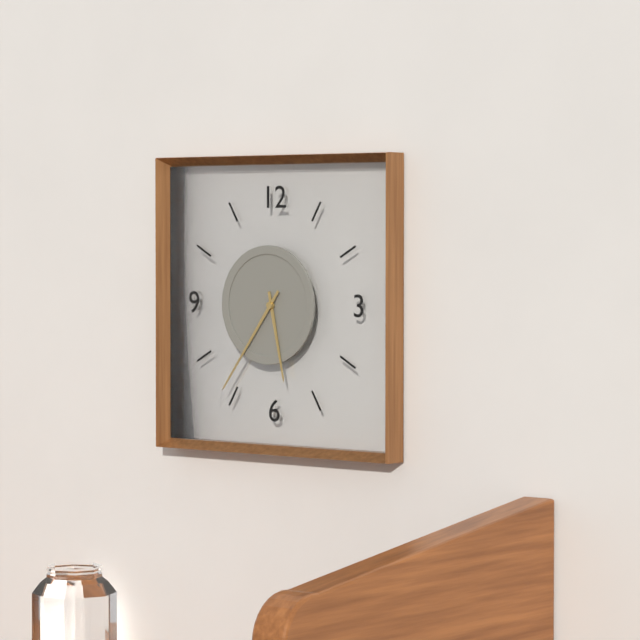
5:36
